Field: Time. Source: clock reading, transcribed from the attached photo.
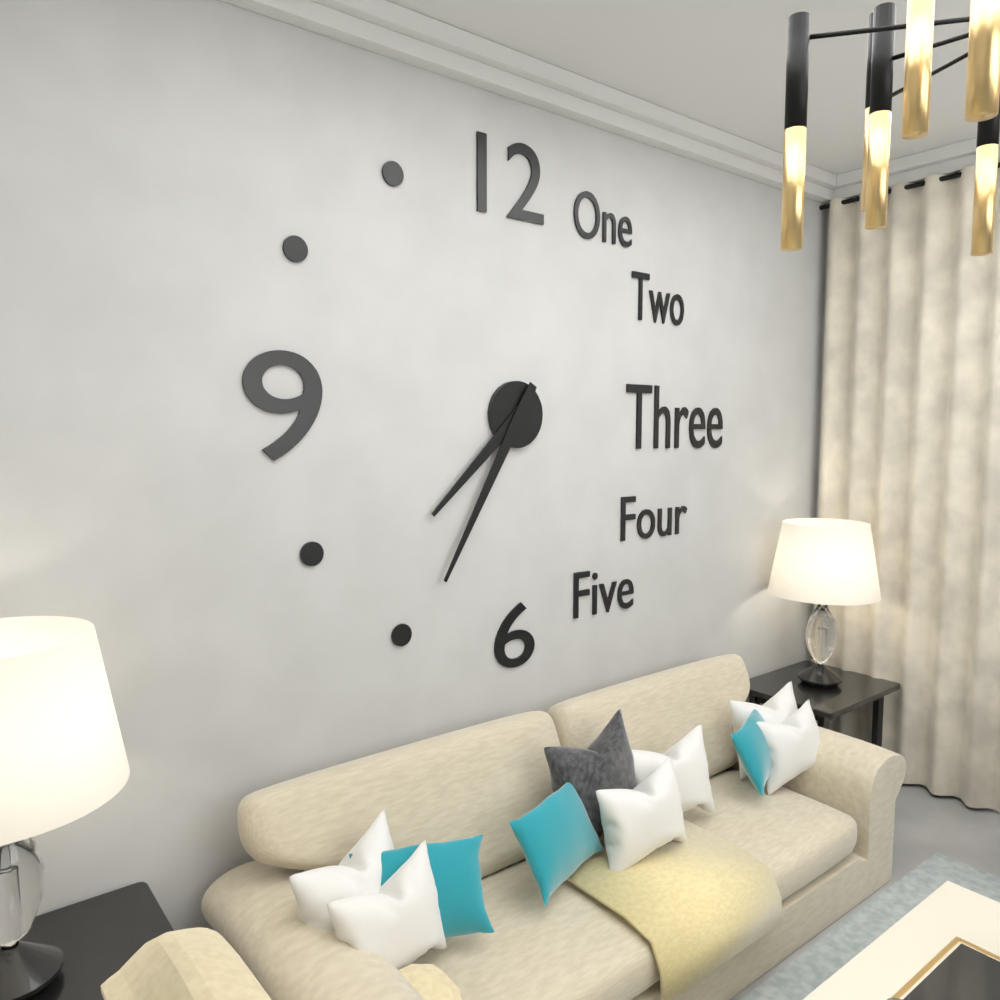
7:35
